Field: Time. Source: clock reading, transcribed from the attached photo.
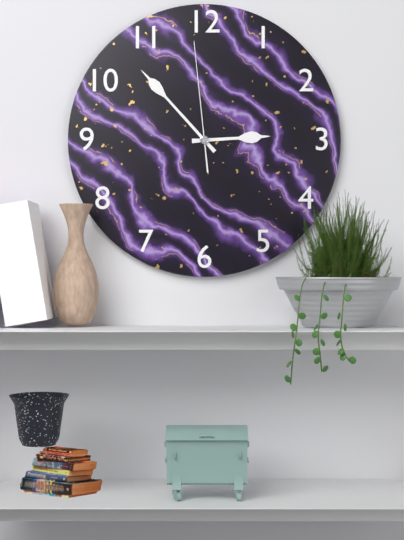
2:53:59
